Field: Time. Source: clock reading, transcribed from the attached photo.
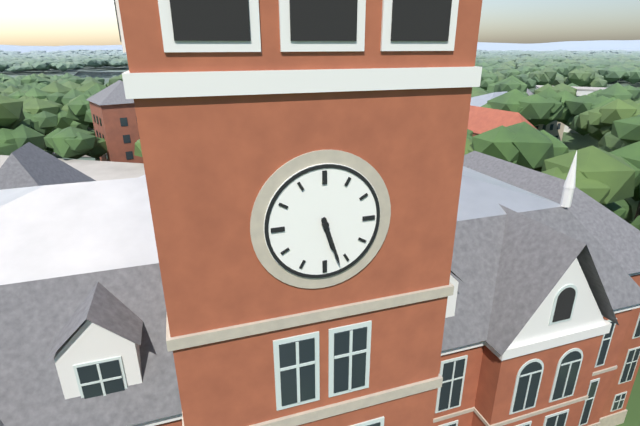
5:27
